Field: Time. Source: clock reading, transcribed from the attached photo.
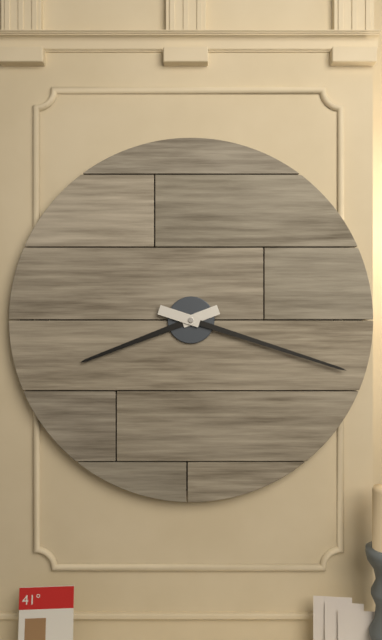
8:18
